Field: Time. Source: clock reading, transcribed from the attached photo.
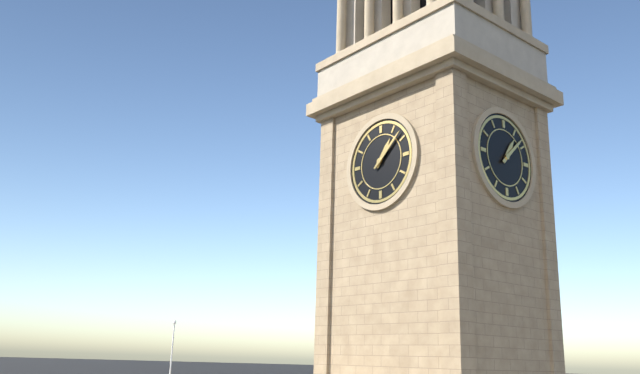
1:08
